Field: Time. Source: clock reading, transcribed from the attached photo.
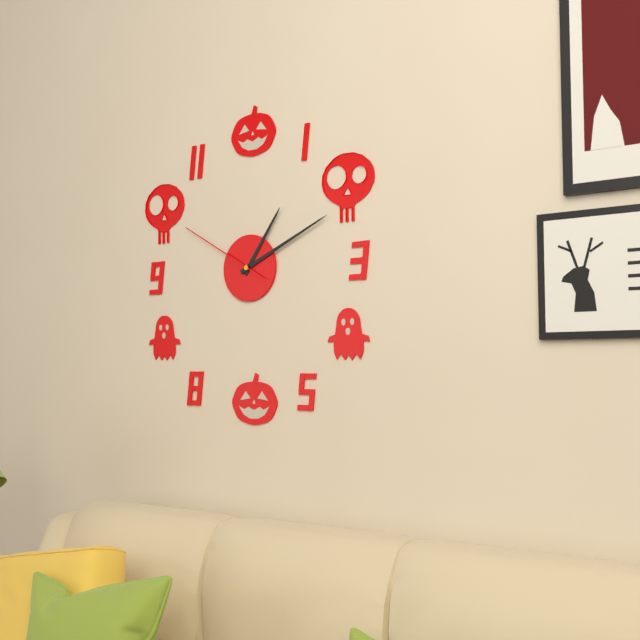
1:11:50
